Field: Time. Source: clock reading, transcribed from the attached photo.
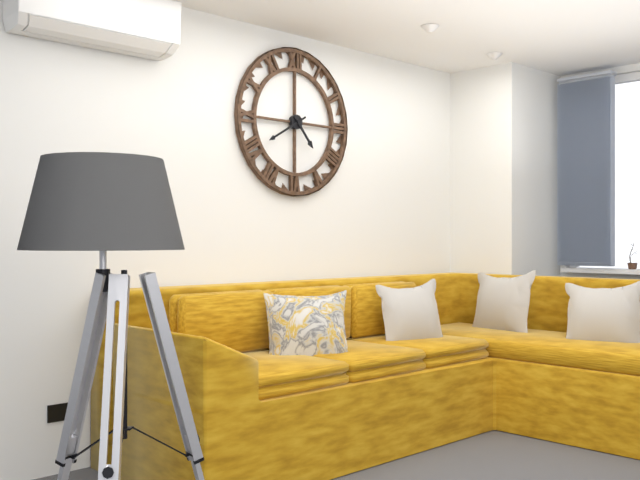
4:40
